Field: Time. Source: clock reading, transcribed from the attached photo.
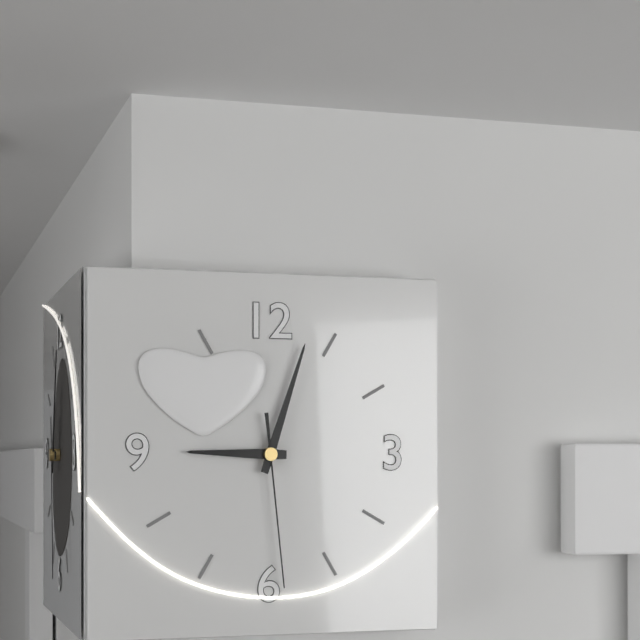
9:03:29
